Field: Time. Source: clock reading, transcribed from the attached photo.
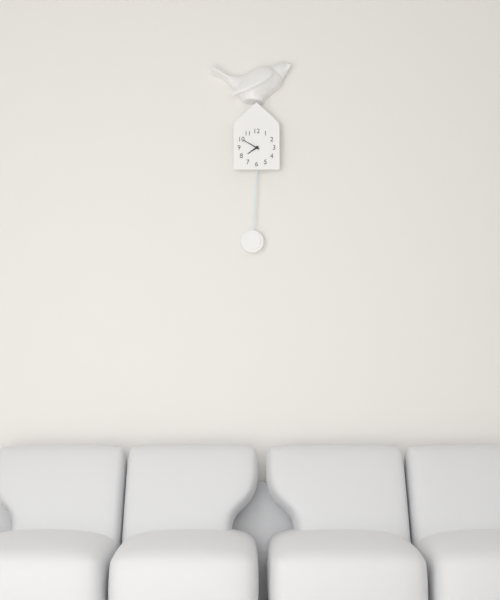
7:50
